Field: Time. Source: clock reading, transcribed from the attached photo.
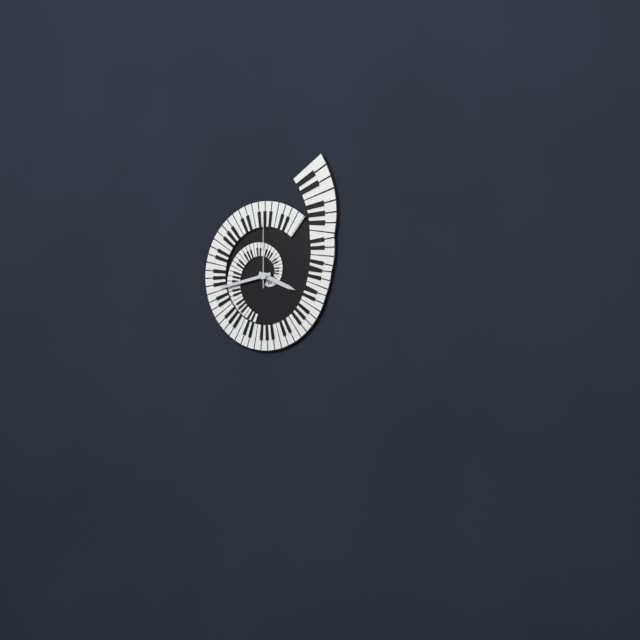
3:43:00
